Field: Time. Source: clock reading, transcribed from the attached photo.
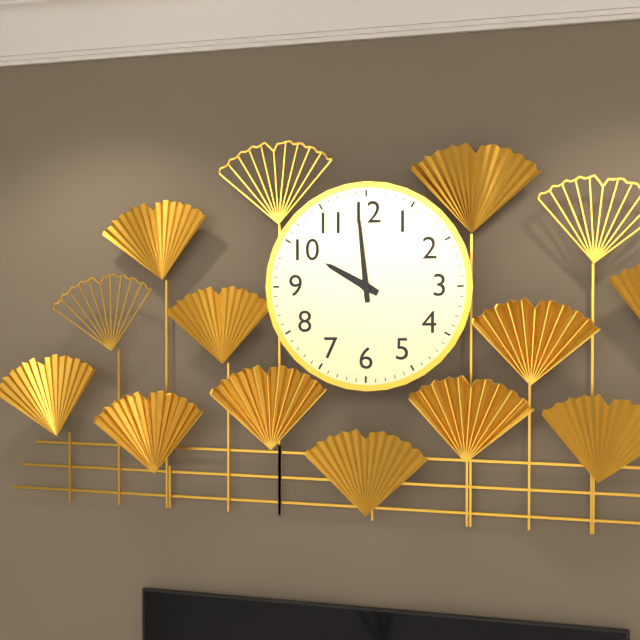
9:59
